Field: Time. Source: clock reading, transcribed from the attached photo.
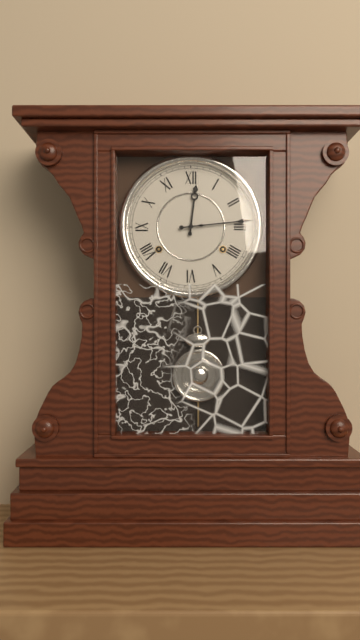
12:14
